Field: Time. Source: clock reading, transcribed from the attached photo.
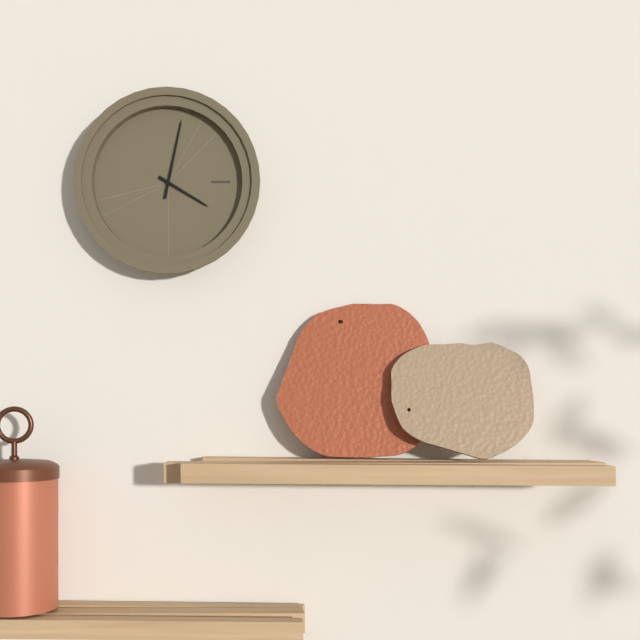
4:02
